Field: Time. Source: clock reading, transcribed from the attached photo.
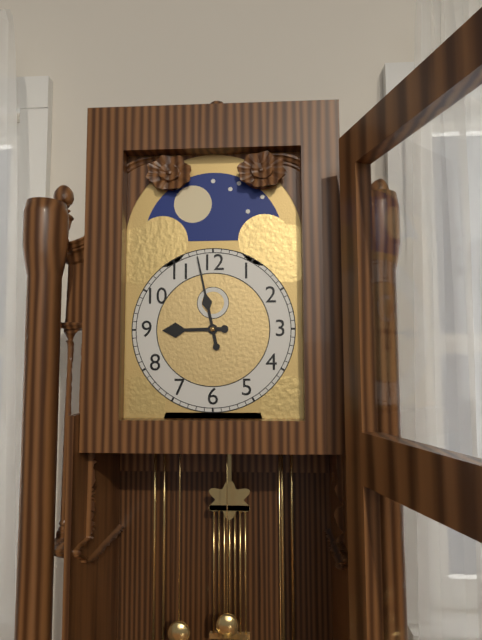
8:58
